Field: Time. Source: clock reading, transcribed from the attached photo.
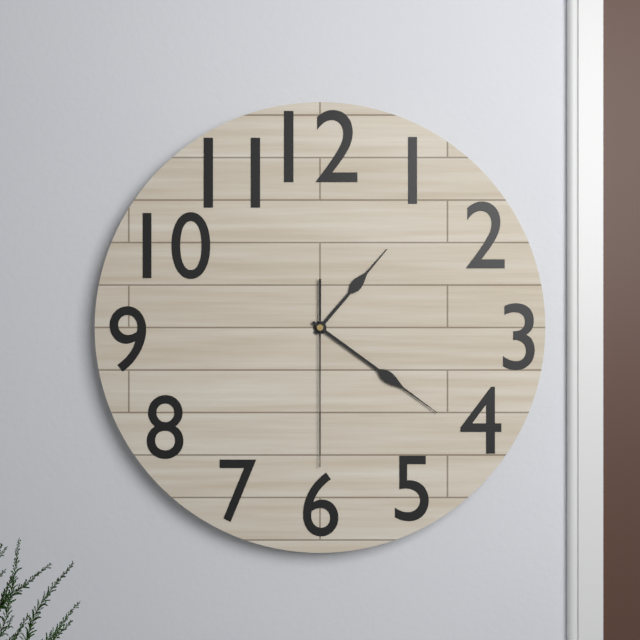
1:21:30
